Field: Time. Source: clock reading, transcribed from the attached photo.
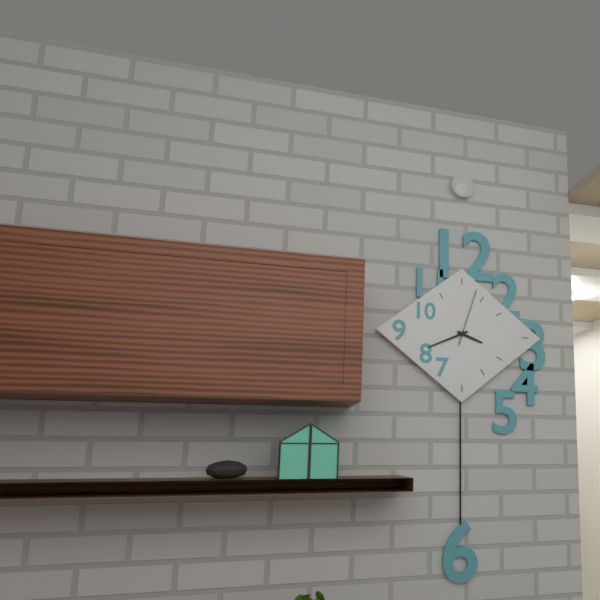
3:41:03
